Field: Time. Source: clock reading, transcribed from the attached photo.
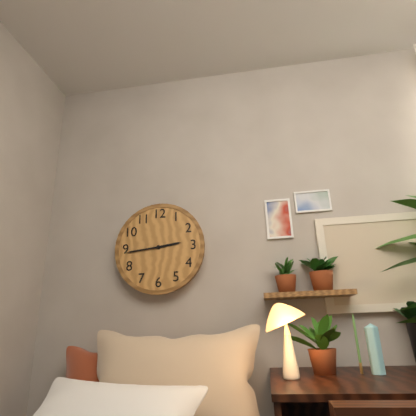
2:44
